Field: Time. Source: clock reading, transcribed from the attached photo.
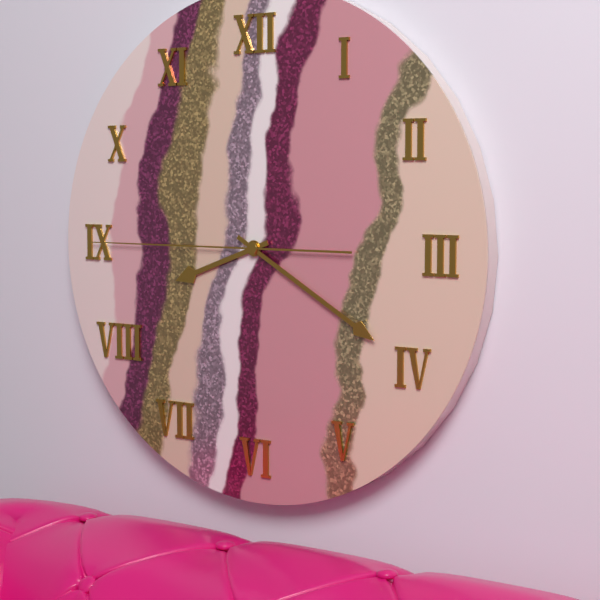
8:20:45
